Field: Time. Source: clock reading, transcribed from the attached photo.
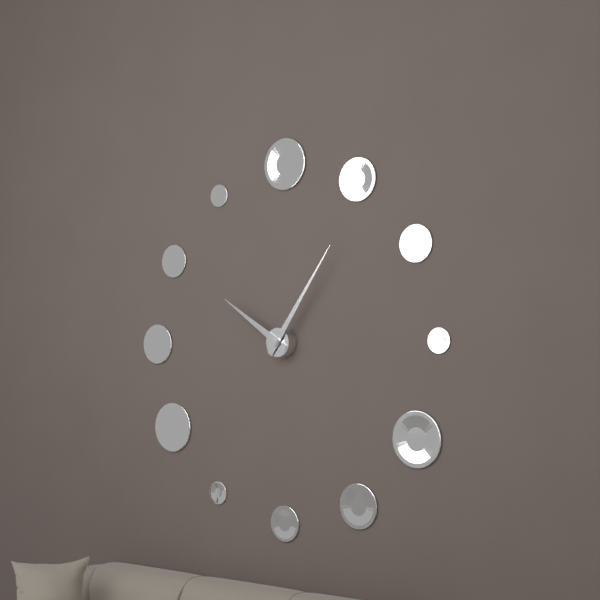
10:06
